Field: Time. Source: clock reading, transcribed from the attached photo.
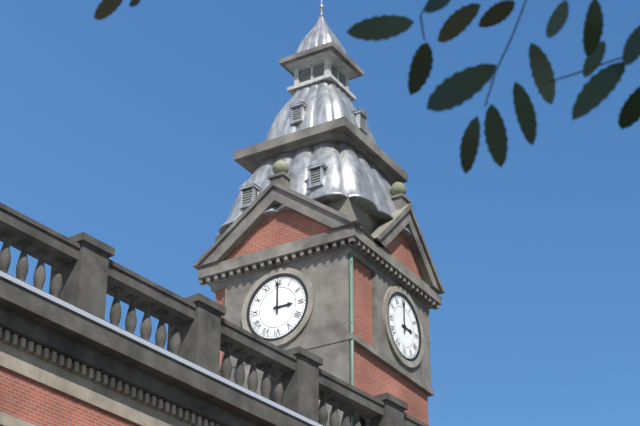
3:00
